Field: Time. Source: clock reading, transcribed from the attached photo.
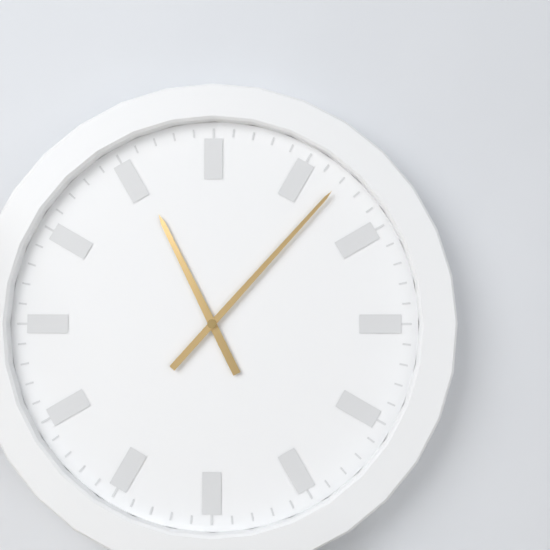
11:07
